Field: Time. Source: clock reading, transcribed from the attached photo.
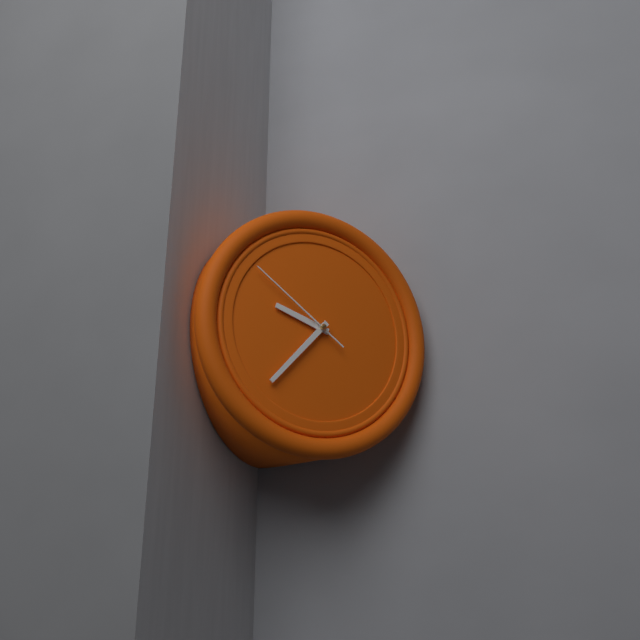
9:37:51
